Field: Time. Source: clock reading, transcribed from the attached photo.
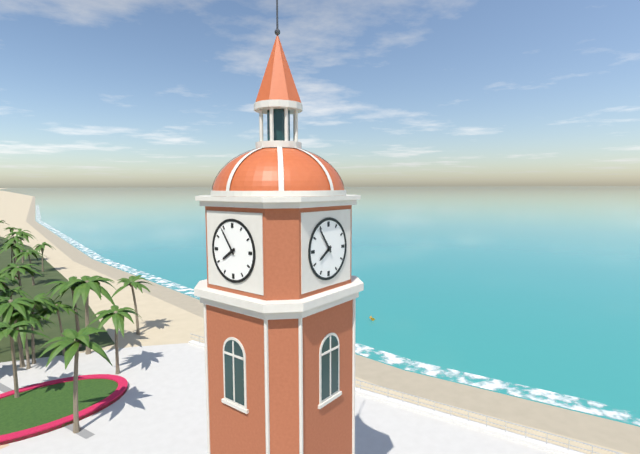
7:54
